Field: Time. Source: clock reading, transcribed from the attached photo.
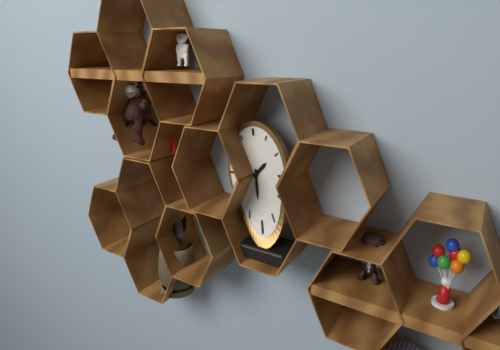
1:30
